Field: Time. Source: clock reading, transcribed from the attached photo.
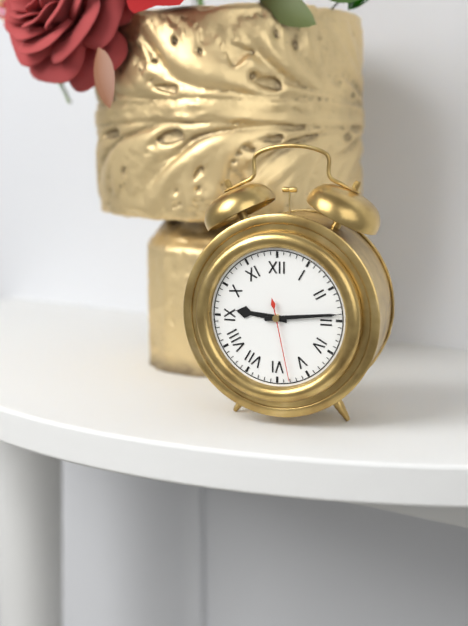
9:14:28
